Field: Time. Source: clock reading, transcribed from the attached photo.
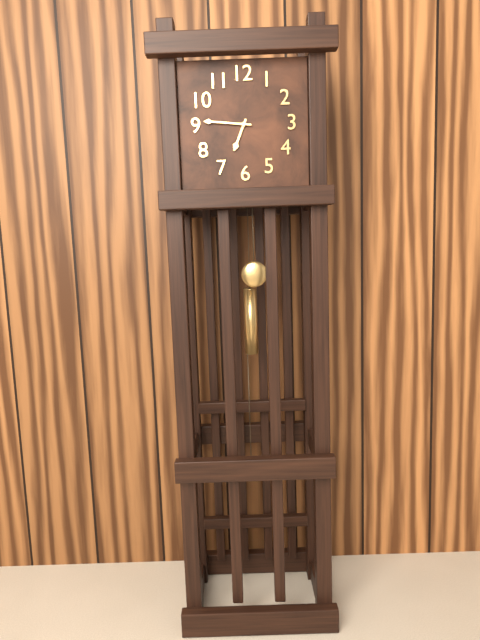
6:46
